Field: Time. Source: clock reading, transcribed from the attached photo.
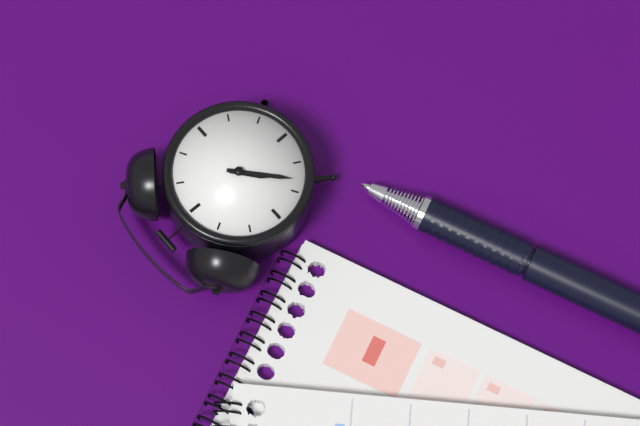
7:38
